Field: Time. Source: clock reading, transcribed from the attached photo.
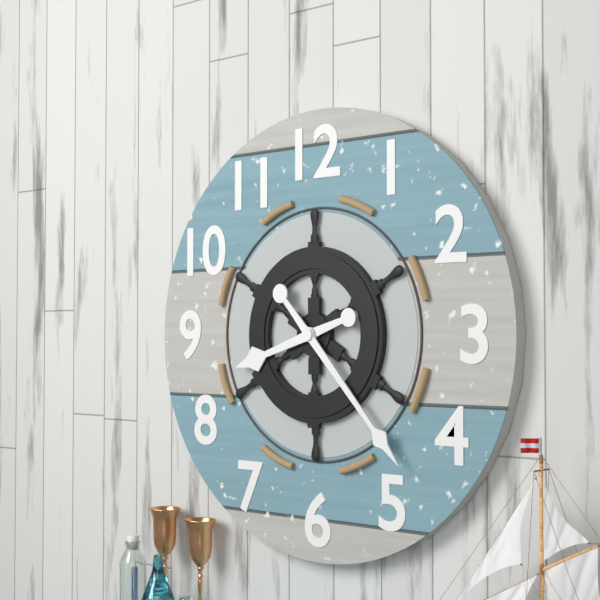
8:23
